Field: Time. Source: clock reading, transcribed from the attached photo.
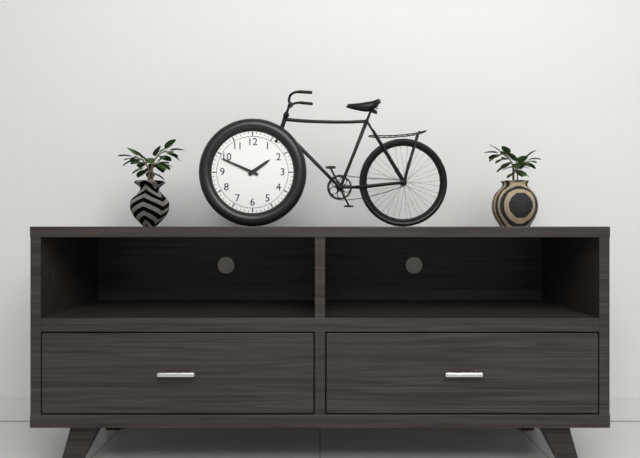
1:49
